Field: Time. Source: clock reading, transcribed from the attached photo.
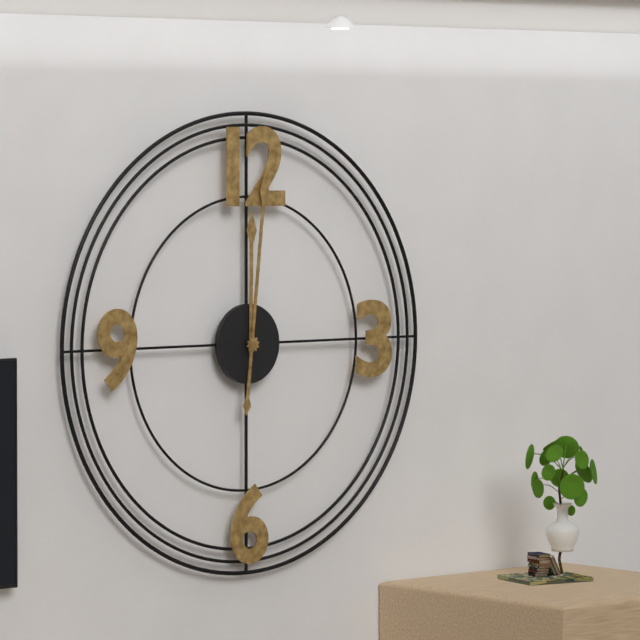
12:01
